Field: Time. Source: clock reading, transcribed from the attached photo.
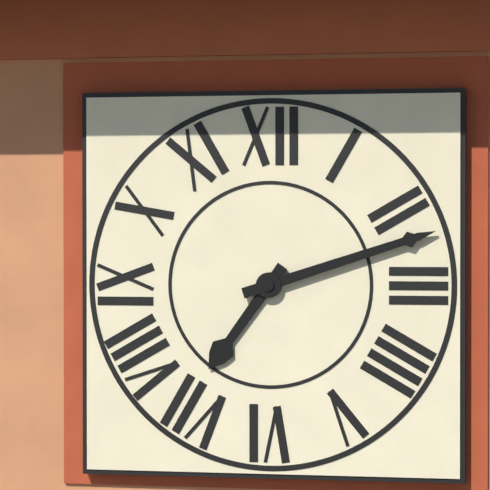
7:12
